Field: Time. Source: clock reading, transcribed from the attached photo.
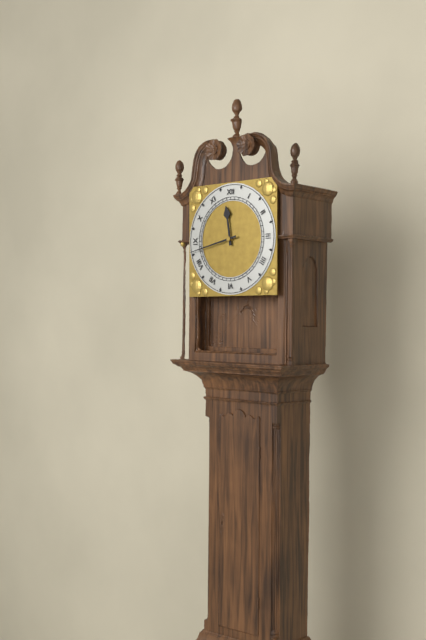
11:43
